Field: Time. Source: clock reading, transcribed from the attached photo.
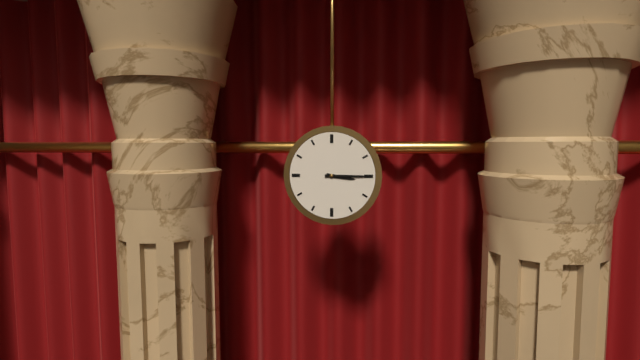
3:15
